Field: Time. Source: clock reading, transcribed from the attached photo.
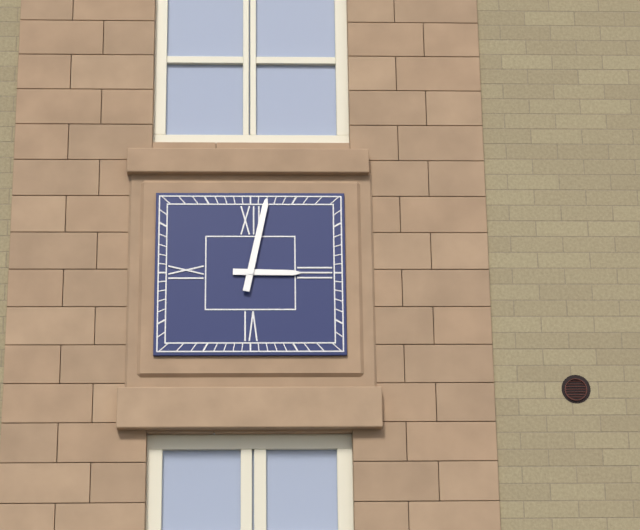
3:02
